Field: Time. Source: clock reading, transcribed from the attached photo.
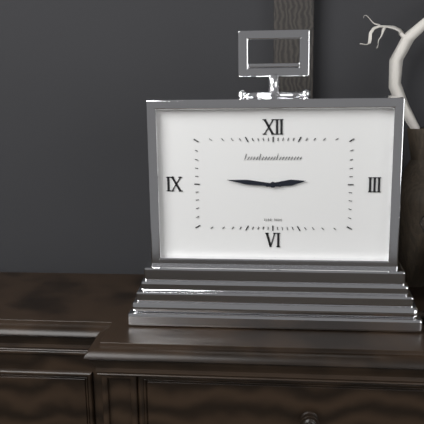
2:46
